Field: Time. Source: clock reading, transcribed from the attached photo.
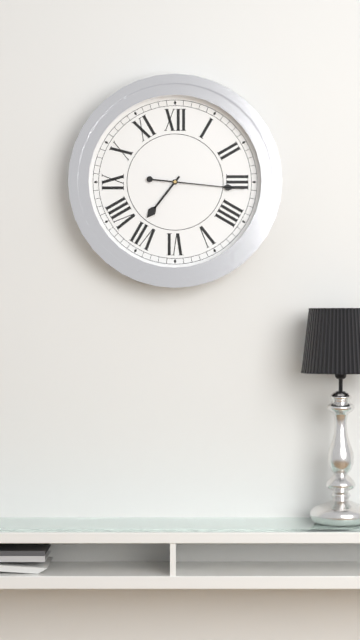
7:16
